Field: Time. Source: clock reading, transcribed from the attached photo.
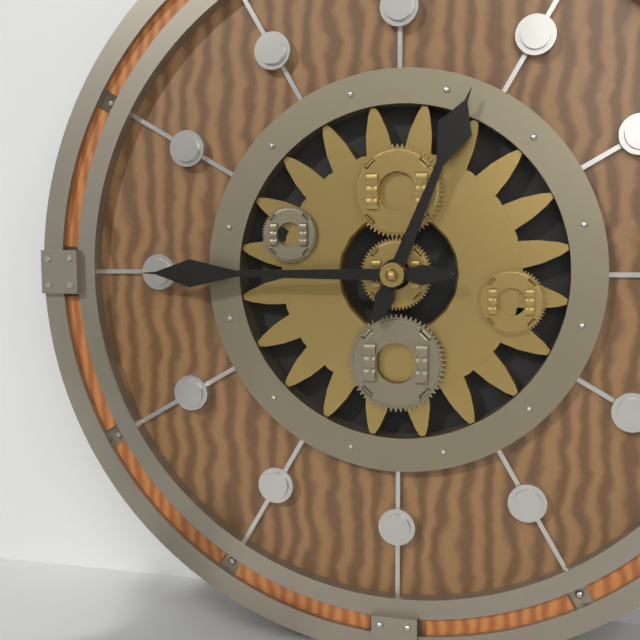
12:45
